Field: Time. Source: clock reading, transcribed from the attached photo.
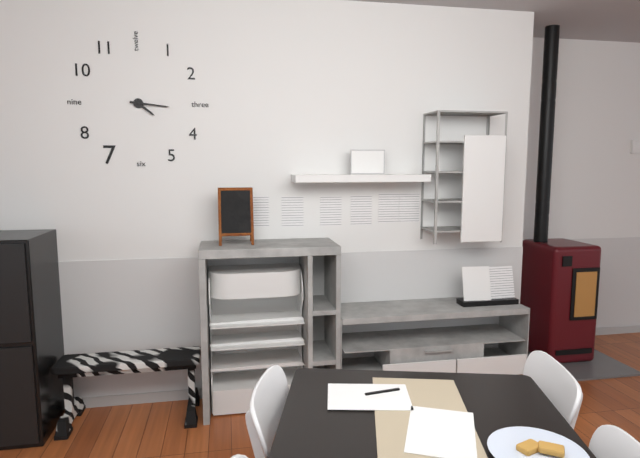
4:16
